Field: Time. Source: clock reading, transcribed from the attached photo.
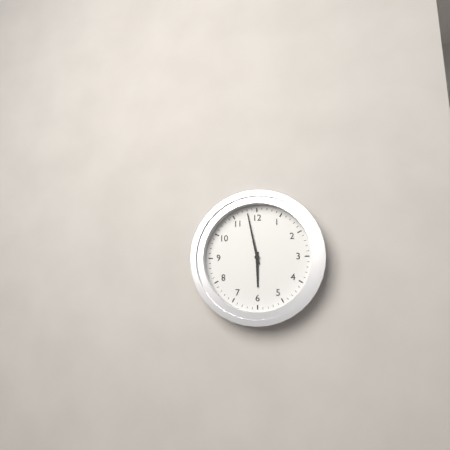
5:58
